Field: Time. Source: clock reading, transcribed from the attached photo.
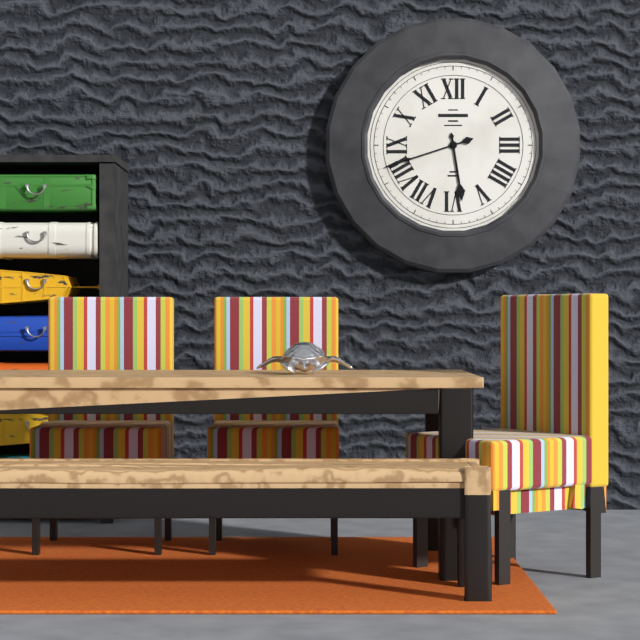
5:42
